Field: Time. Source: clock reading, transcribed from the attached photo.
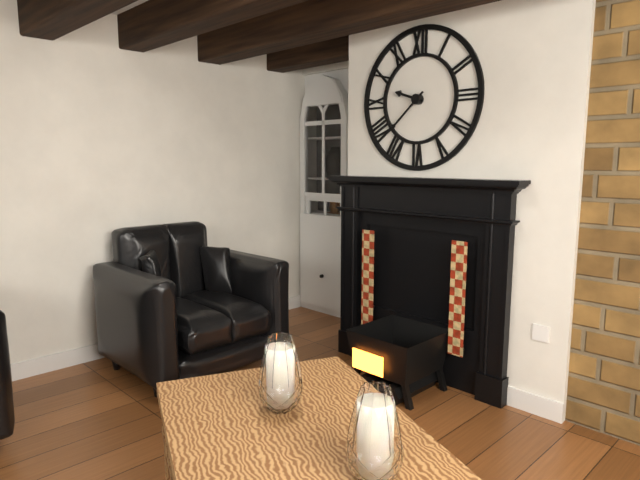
9:38
